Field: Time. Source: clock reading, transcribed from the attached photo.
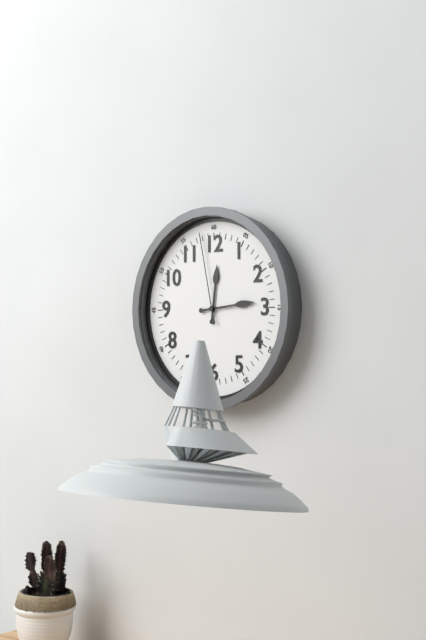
12:14:58
